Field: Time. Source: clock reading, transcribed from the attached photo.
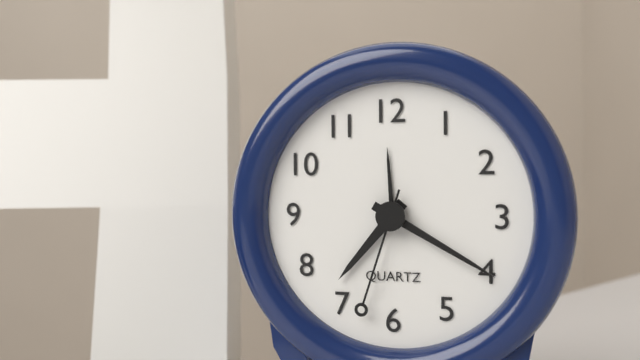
7:20:33
